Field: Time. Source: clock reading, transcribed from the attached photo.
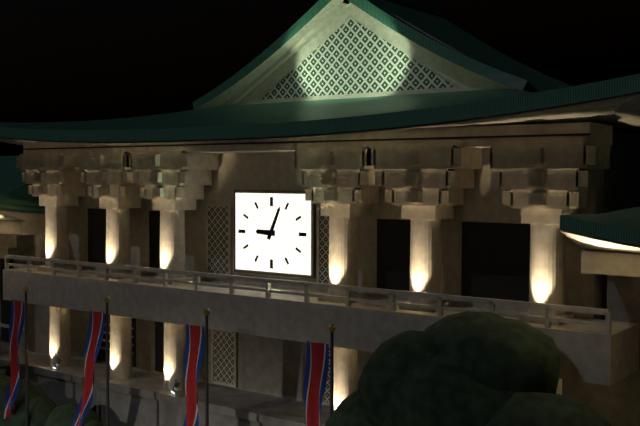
9:04
